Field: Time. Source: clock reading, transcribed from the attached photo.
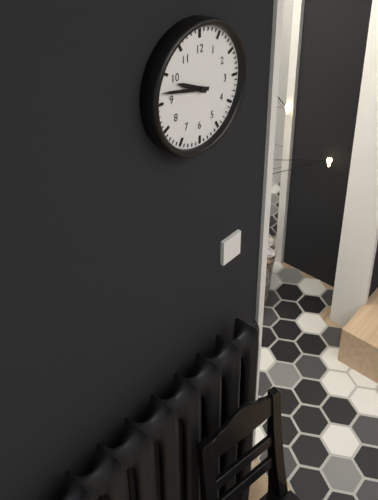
9:47
